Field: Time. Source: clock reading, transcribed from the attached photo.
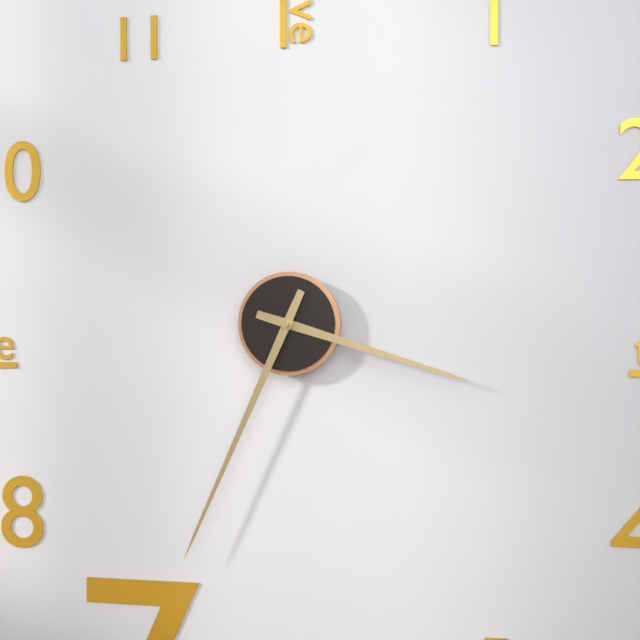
3:34
